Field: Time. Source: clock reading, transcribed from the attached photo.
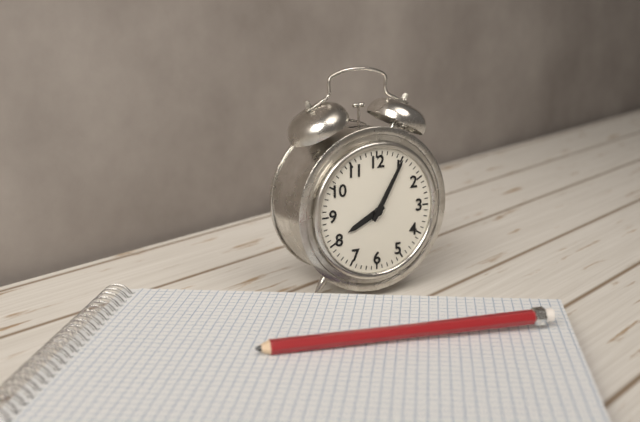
8:05
